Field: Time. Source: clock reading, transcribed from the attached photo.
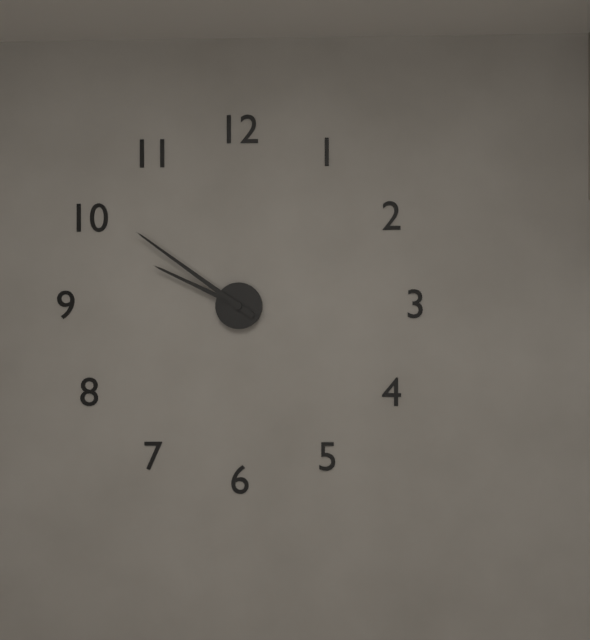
9:51
